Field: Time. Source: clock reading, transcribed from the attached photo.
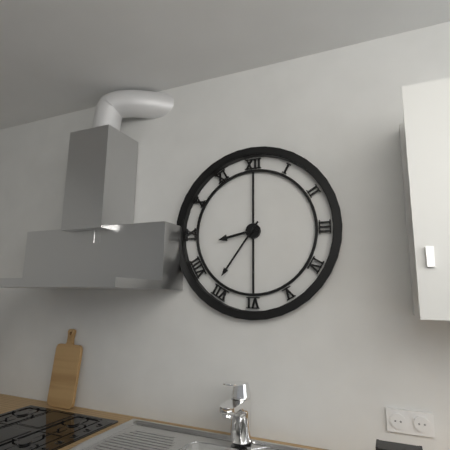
8:36
